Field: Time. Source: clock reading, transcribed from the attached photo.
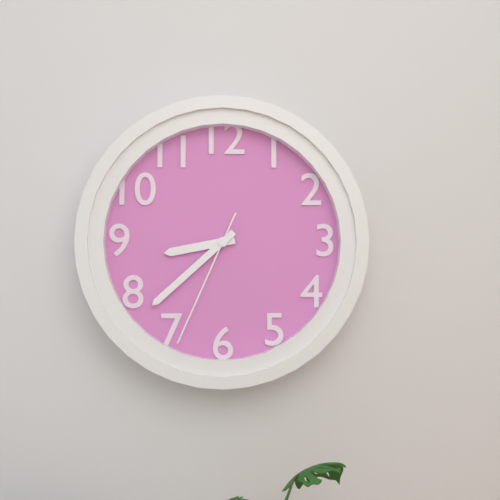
8:38:34
